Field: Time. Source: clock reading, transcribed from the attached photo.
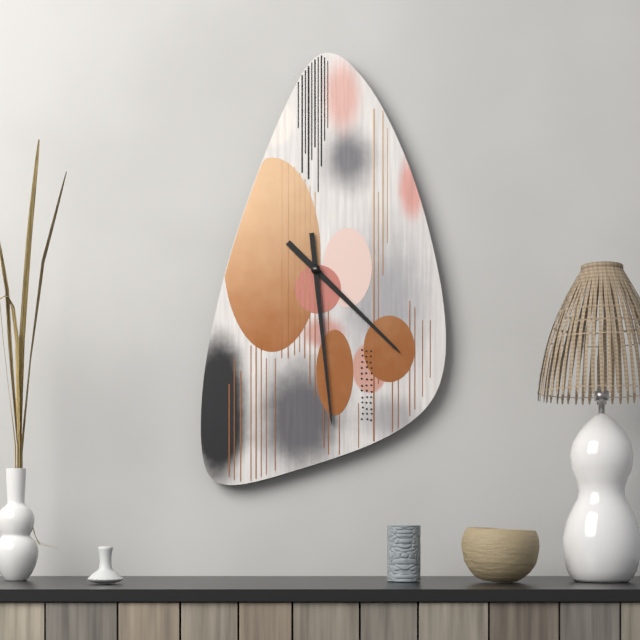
4:29
